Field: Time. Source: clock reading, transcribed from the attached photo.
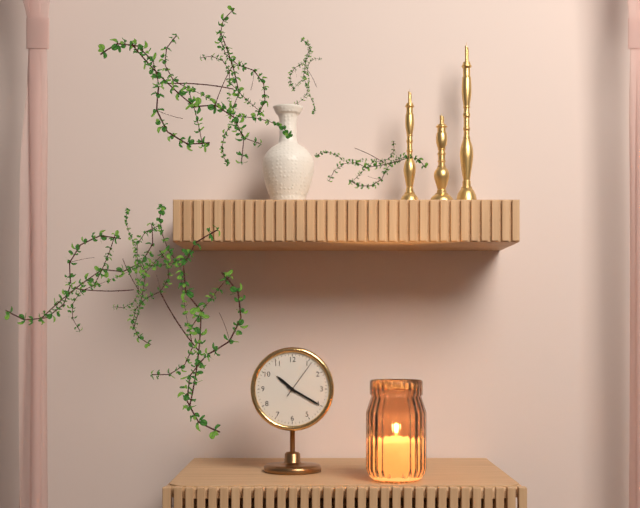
10:20
